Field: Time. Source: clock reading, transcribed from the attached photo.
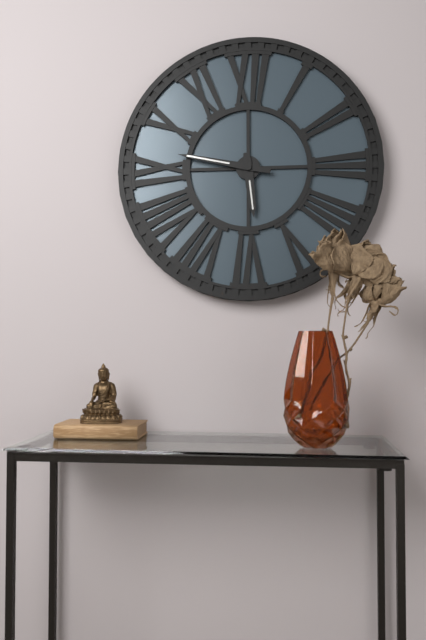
5:47
